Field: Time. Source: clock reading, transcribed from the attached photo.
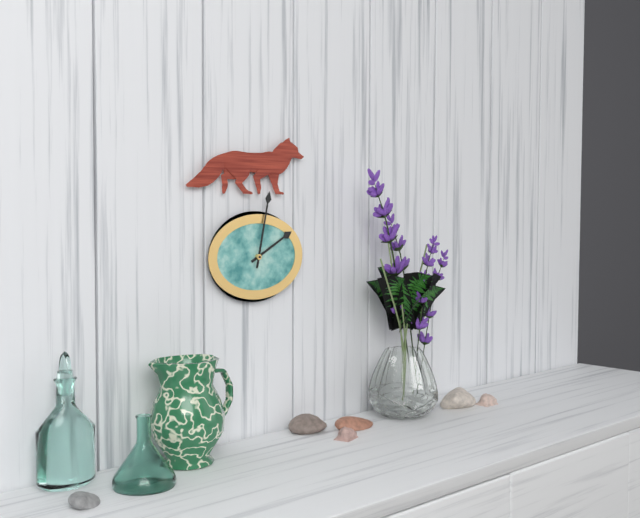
2:02
